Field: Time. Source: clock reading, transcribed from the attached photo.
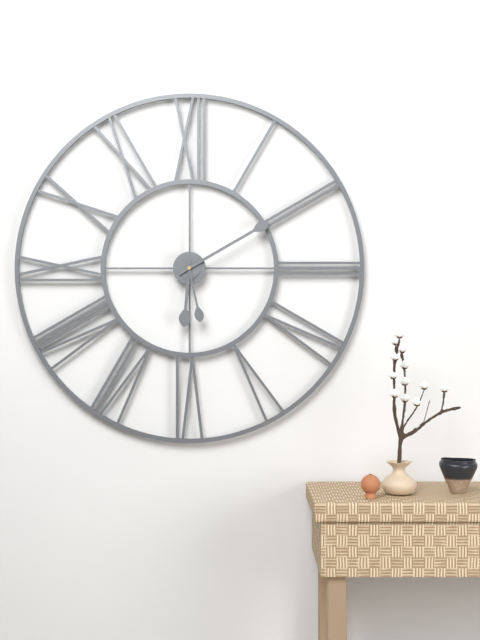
6:10:28
